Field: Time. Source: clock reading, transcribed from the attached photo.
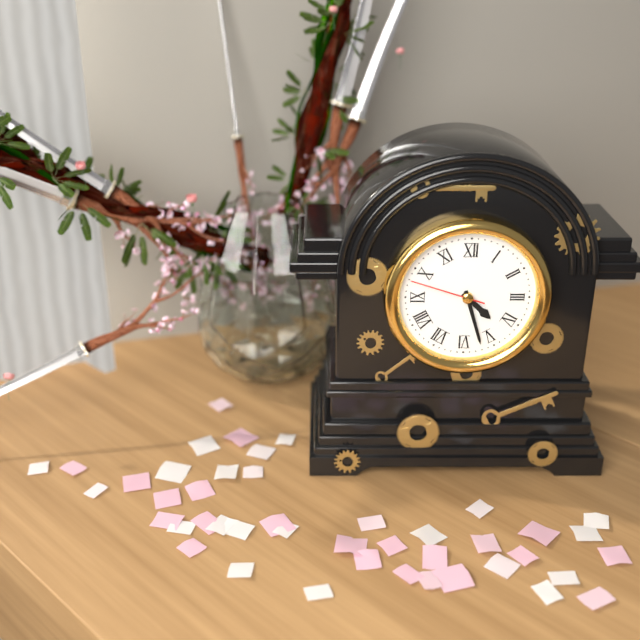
4:27:48
